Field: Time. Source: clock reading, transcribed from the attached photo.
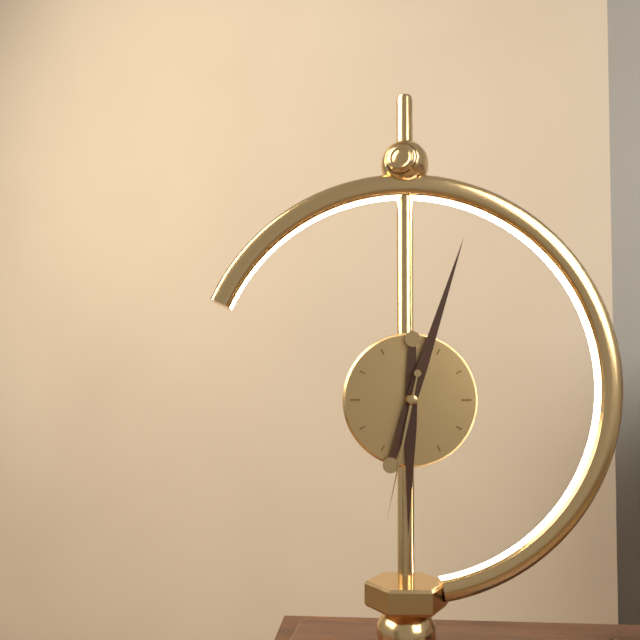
6:03:32
